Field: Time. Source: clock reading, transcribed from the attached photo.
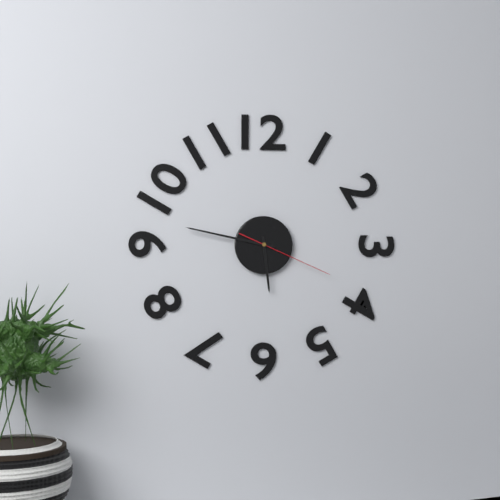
5:47:19
